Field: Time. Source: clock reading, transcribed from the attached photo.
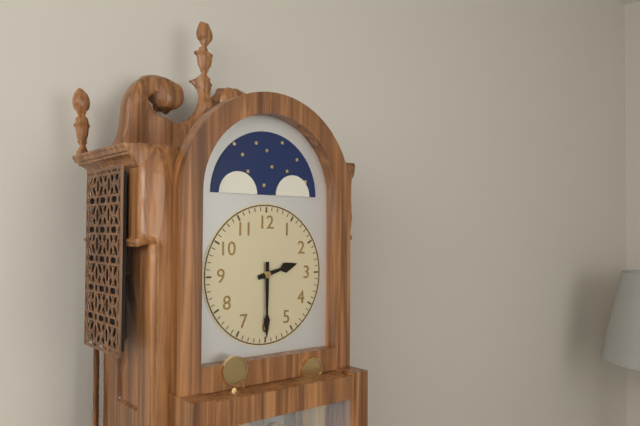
2:30
